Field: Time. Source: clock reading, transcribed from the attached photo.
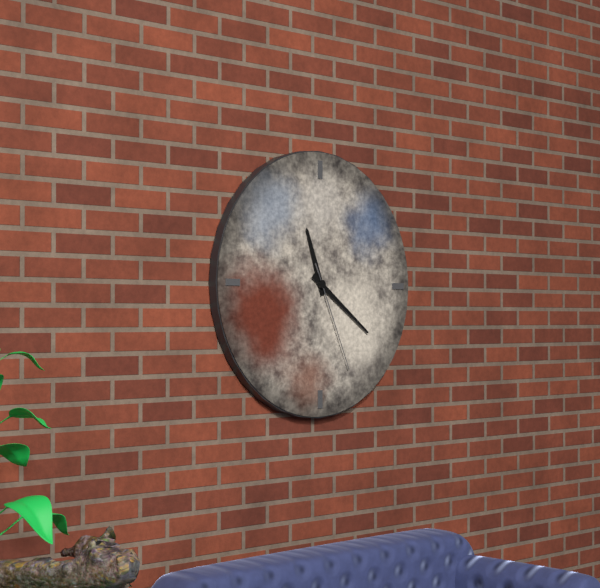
11:21:26
